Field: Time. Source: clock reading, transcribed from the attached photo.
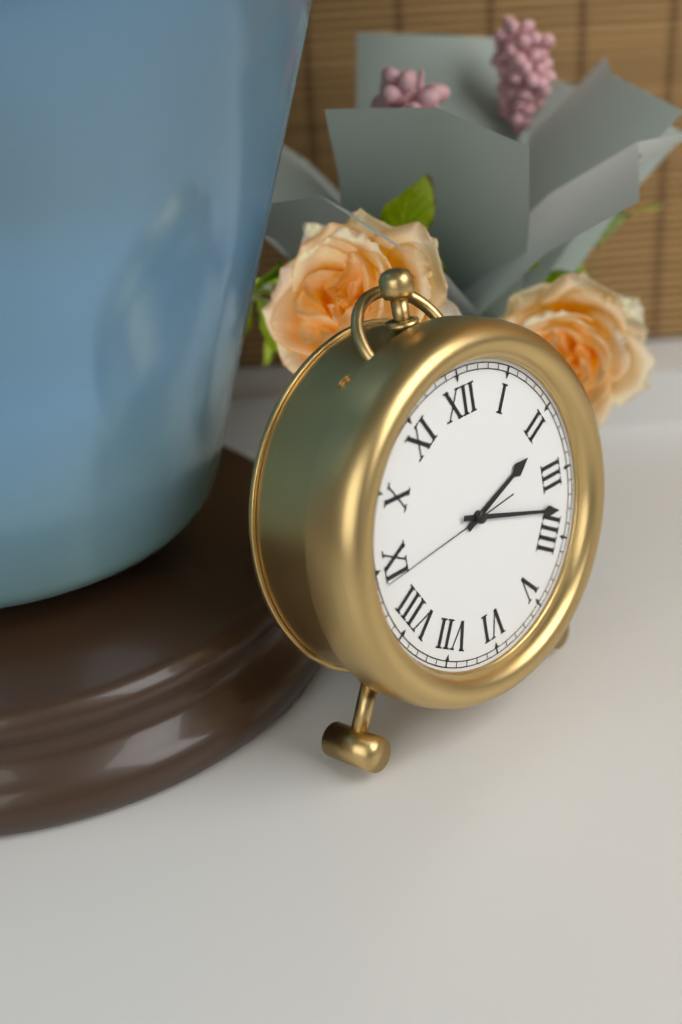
2:18:44
